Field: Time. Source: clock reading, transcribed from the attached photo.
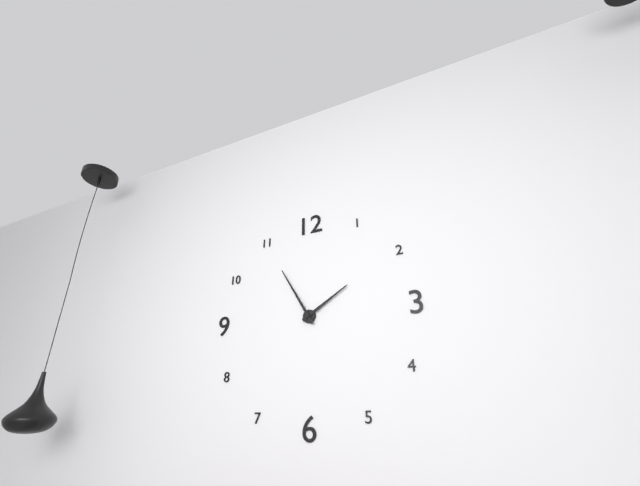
1:55
